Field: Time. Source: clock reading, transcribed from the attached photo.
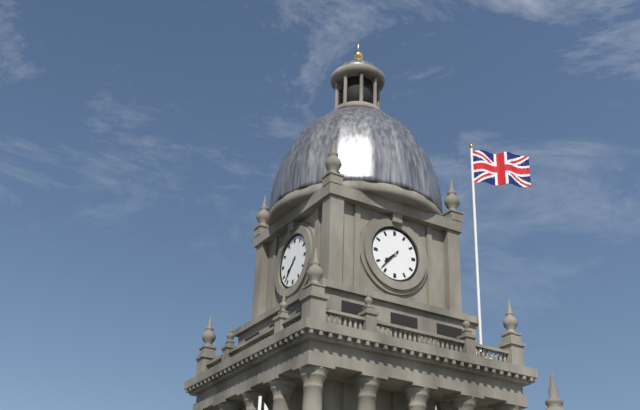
7:37
